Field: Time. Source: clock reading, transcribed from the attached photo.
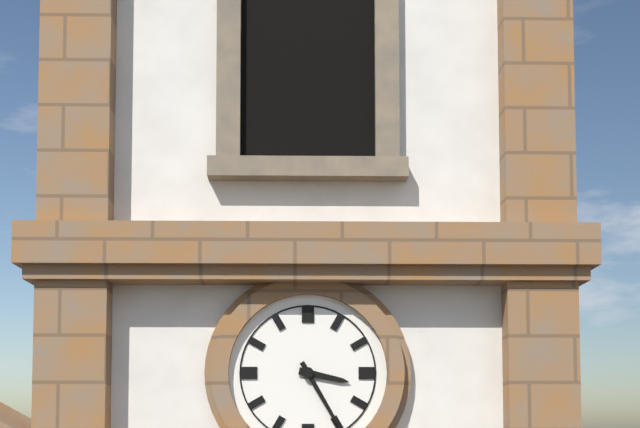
3:25
